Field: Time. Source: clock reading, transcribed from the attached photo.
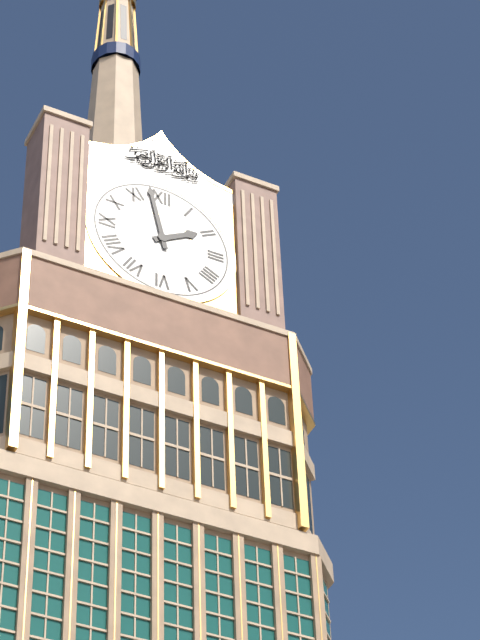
1:58
